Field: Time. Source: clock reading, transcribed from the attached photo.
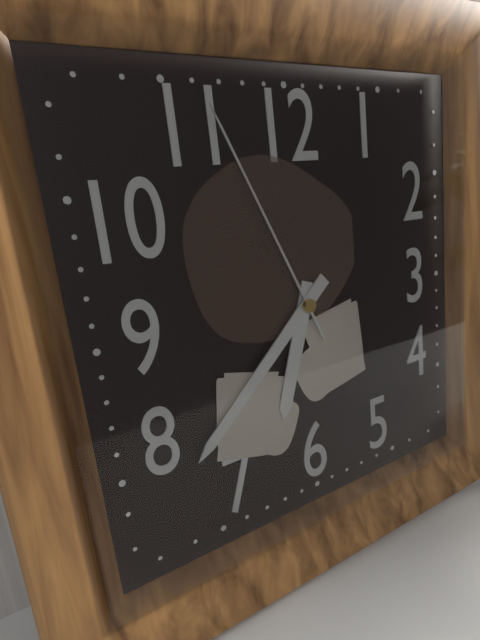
6:38:56
